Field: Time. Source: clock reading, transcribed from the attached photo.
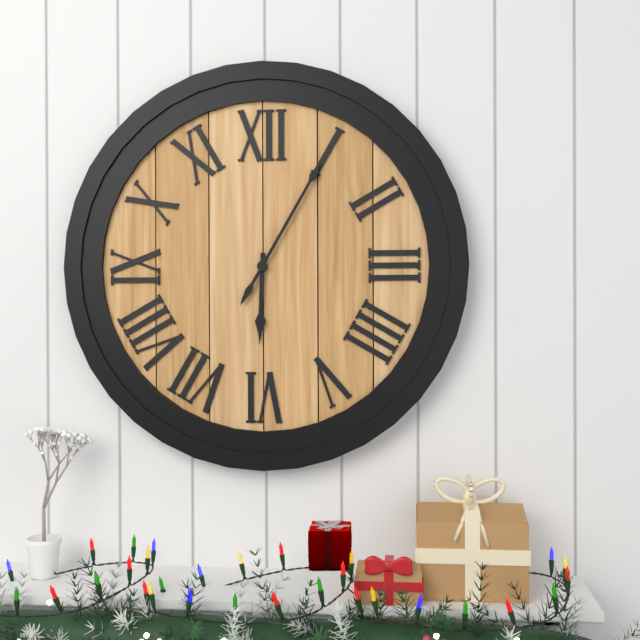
6:05
